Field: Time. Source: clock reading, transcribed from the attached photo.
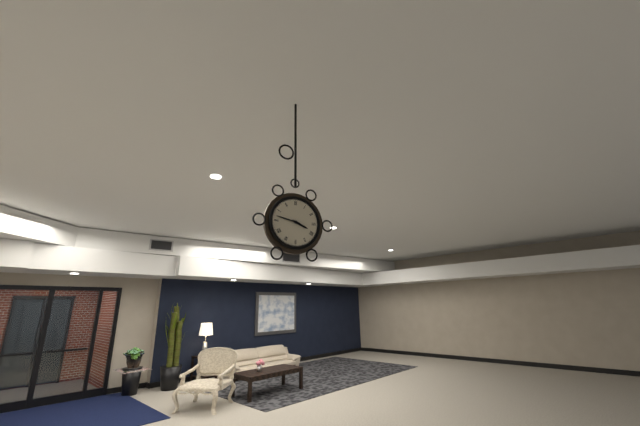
3:47
